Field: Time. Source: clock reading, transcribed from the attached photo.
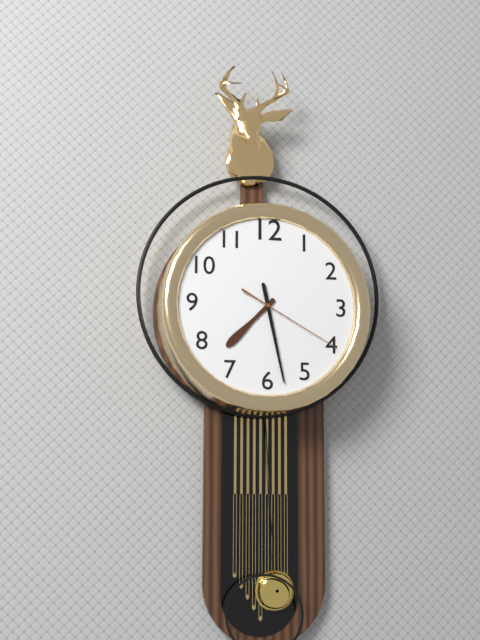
7:28:20
